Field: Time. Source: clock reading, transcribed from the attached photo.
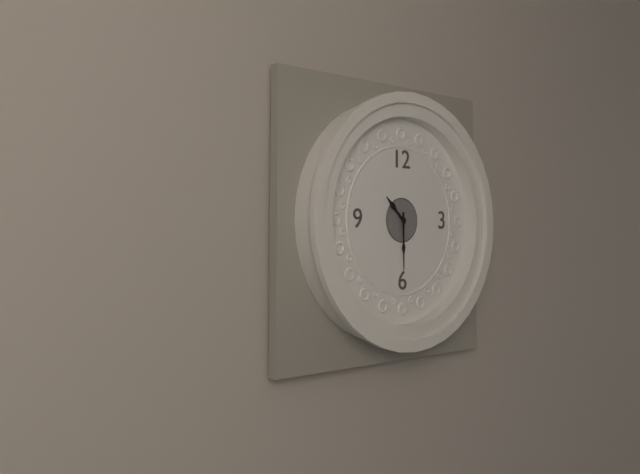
10:30
